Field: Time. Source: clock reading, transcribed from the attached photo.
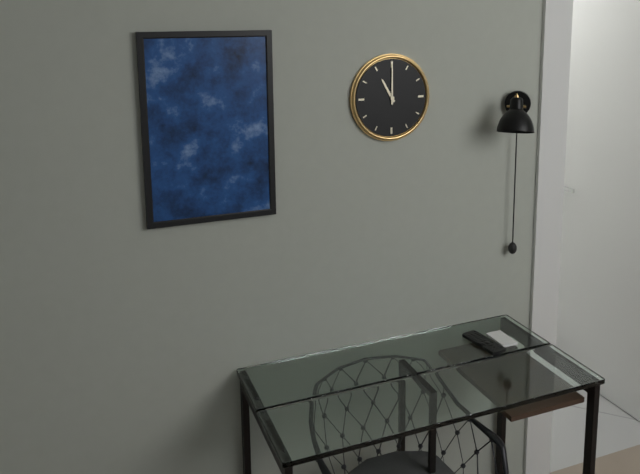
11:00
